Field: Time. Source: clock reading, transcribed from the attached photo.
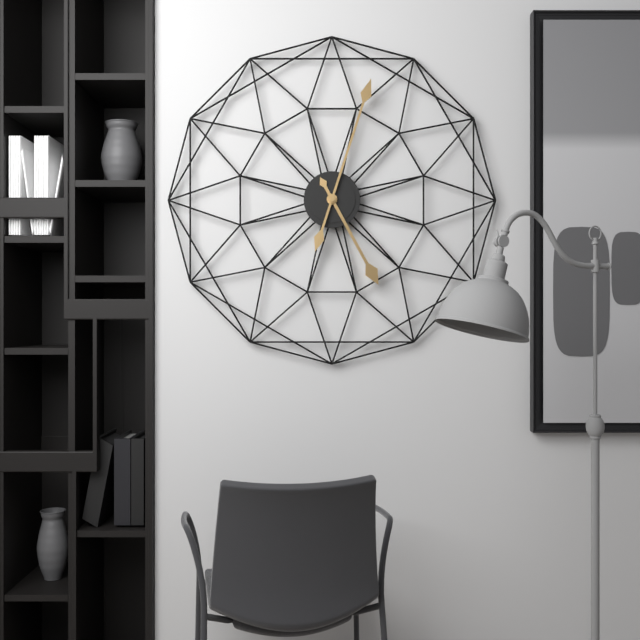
5:03
